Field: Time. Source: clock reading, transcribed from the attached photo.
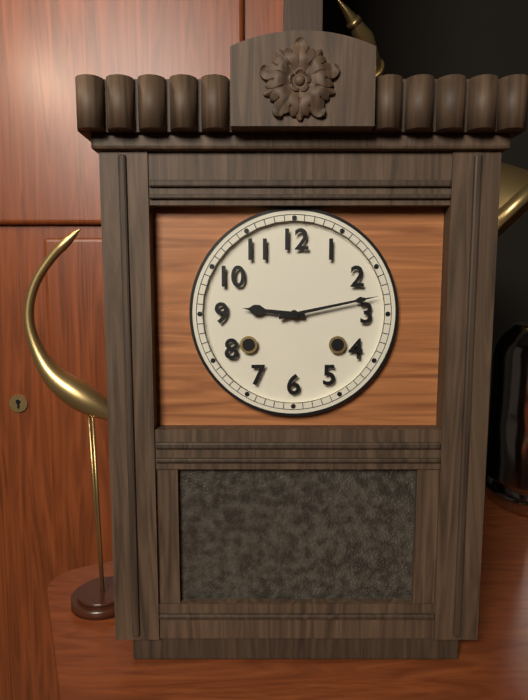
9:13
